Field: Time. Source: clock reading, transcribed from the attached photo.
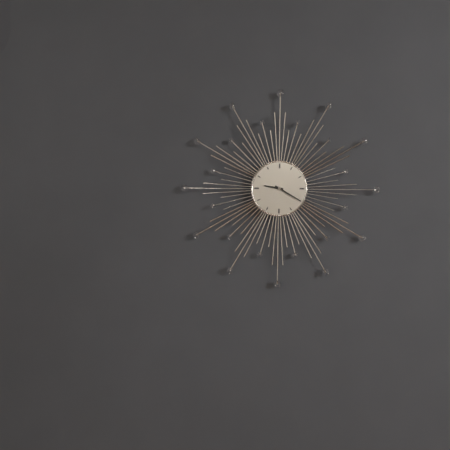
9:20
